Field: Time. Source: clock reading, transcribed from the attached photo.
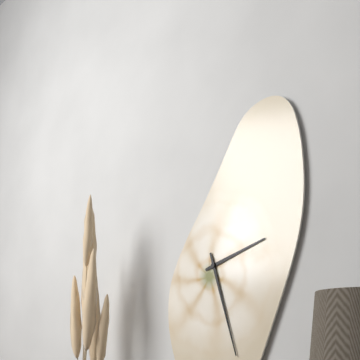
2:27
